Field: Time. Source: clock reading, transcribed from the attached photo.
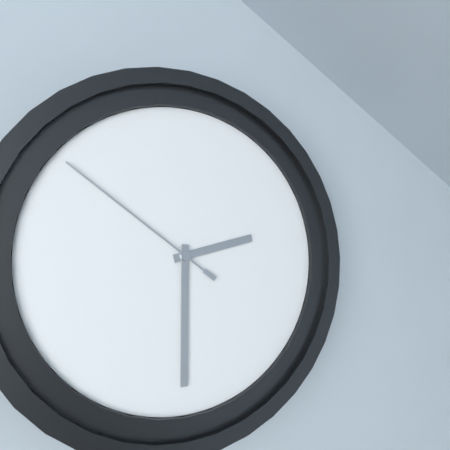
2:30:51
